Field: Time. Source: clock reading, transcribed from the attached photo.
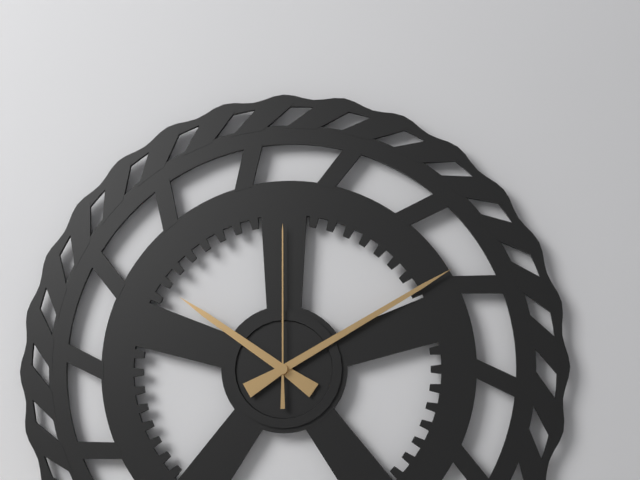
10:10:00
